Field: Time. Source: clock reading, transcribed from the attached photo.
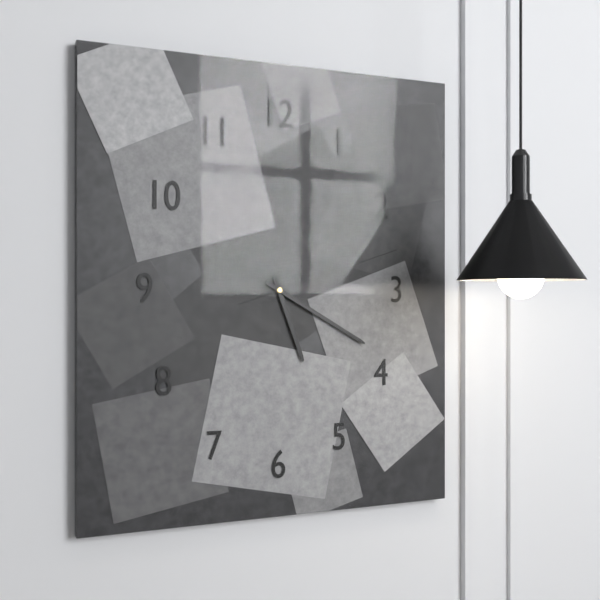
5:20:12
